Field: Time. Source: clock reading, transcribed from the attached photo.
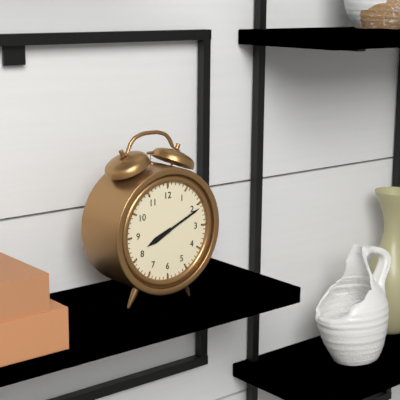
8:11
